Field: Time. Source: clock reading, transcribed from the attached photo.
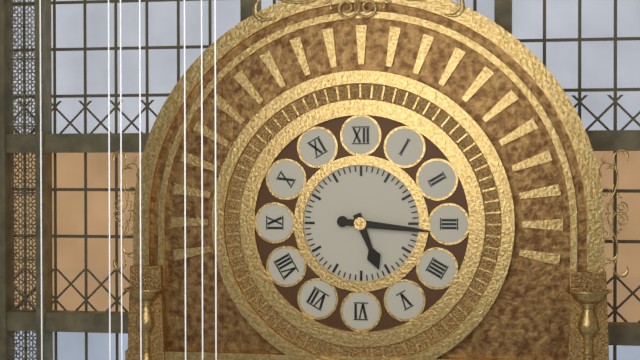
5:16
